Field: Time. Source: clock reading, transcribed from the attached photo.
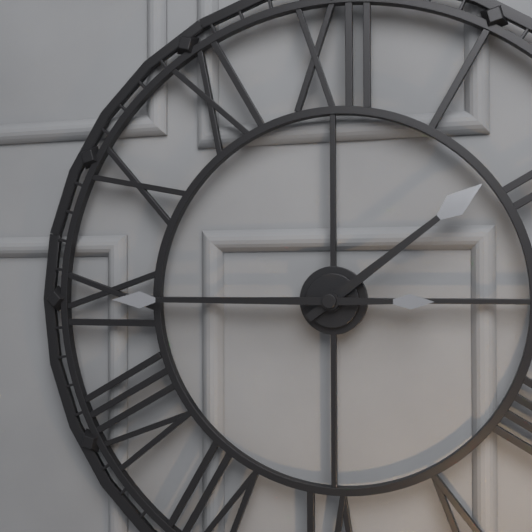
1:45
